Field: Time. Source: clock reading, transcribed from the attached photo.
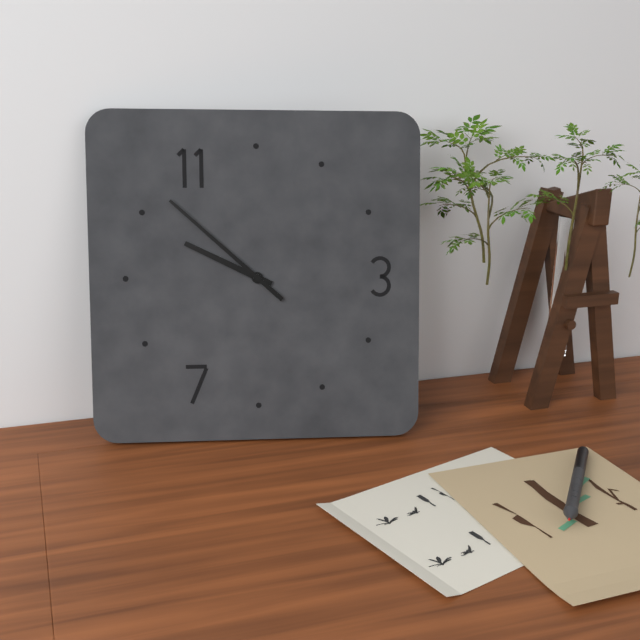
9:52
